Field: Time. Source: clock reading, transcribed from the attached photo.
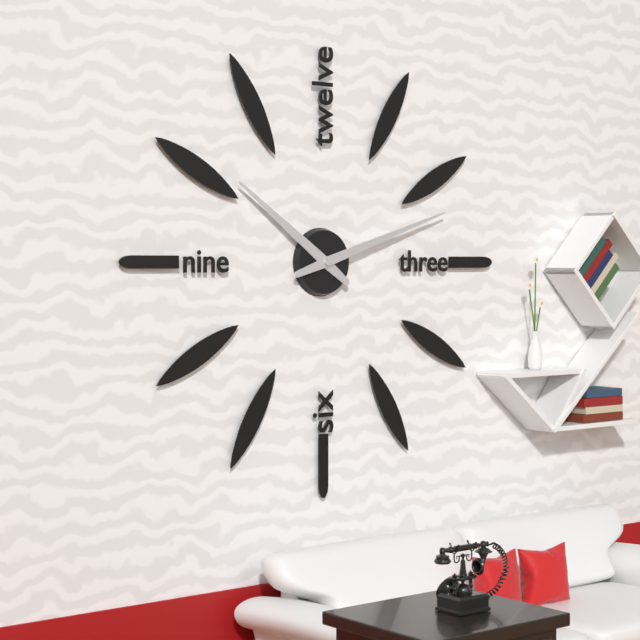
10:12
